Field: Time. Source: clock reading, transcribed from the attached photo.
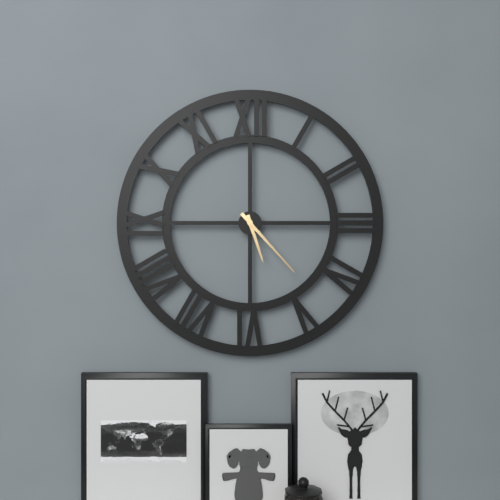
5:23
